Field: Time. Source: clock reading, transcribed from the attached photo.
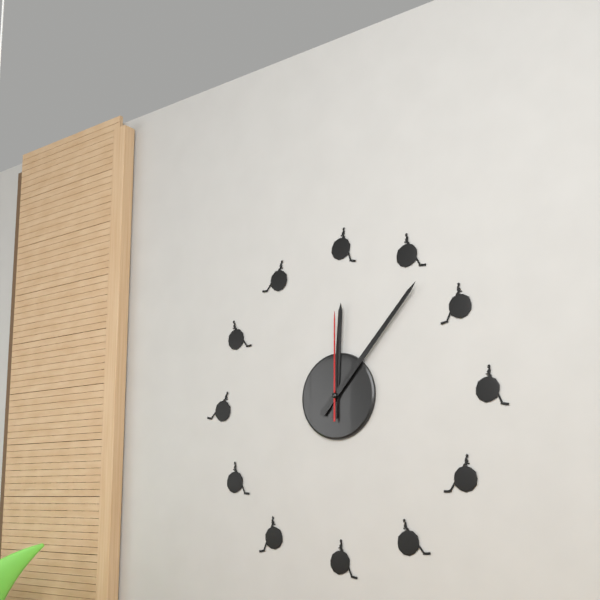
12:07:00
